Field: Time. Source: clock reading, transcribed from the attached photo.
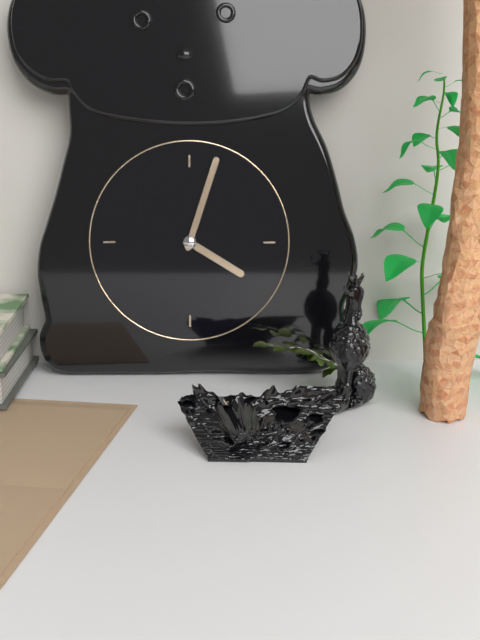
4:03
